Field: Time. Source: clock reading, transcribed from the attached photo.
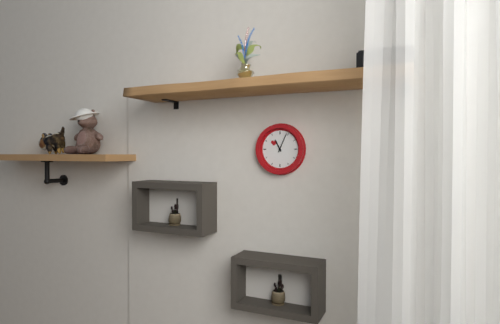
11:04
